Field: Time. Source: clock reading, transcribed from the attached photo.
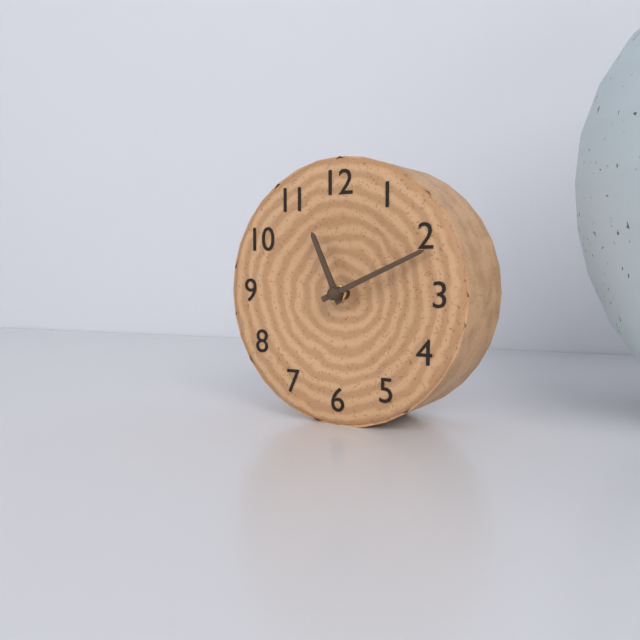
11:11
